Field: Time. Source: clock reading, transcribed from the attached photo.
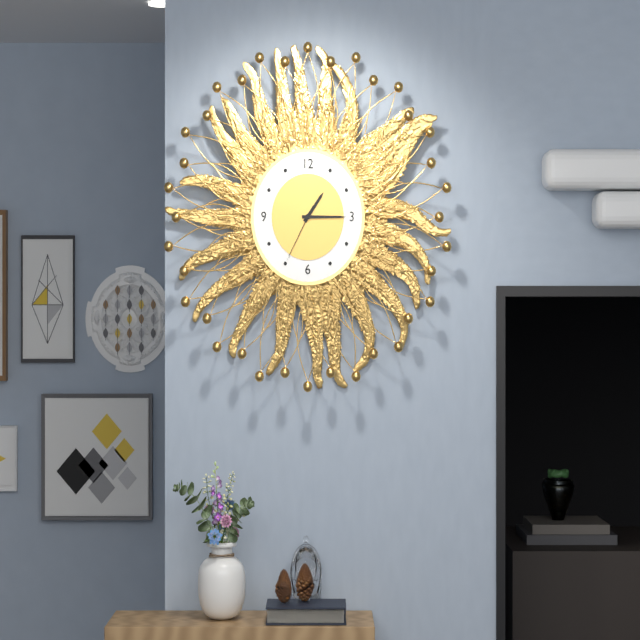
1:15:35
